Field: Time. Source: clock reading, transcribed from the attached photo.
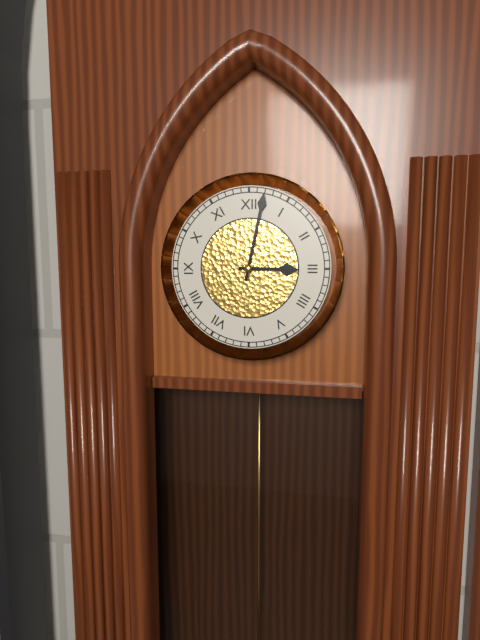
3:02
